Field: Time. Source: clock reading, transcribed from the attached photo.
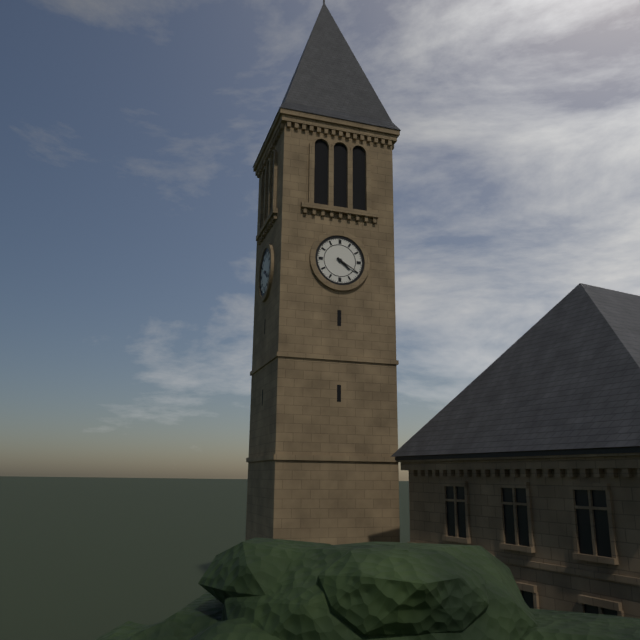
4:20
